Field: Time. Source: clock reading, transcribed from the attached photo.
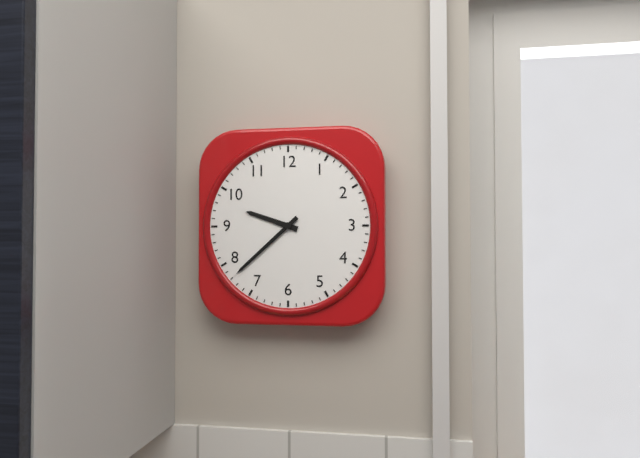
9:38
